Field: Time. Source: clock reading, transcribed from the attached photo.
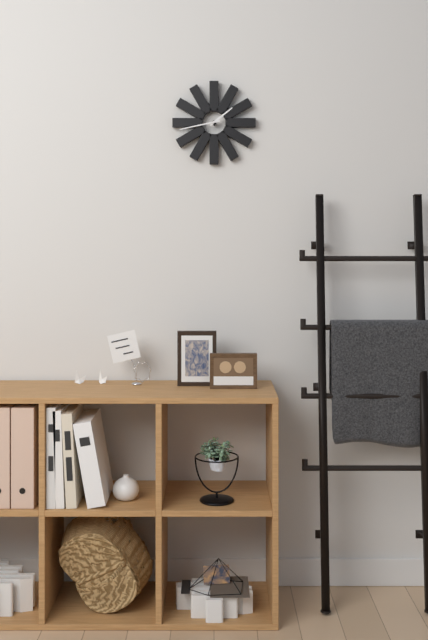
1:43
